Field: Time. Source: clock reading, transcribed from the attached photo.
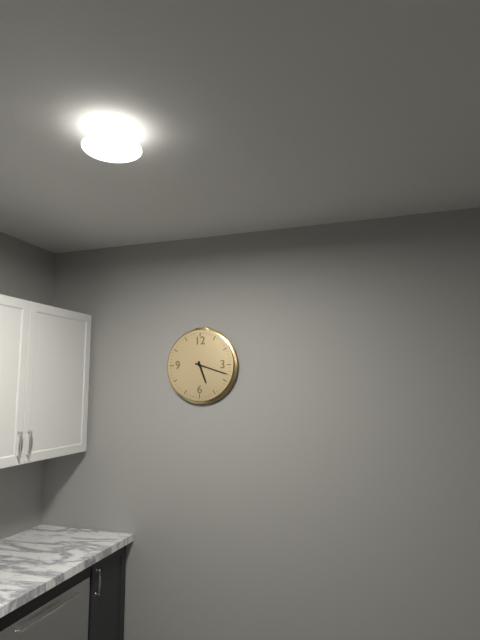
5:18
